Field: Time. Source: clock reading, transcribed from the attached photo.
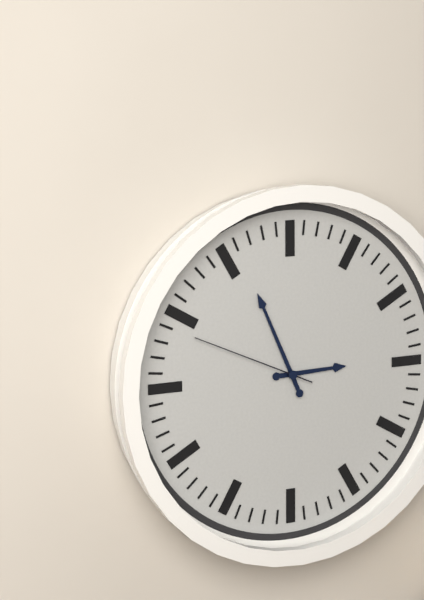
2:56:49
